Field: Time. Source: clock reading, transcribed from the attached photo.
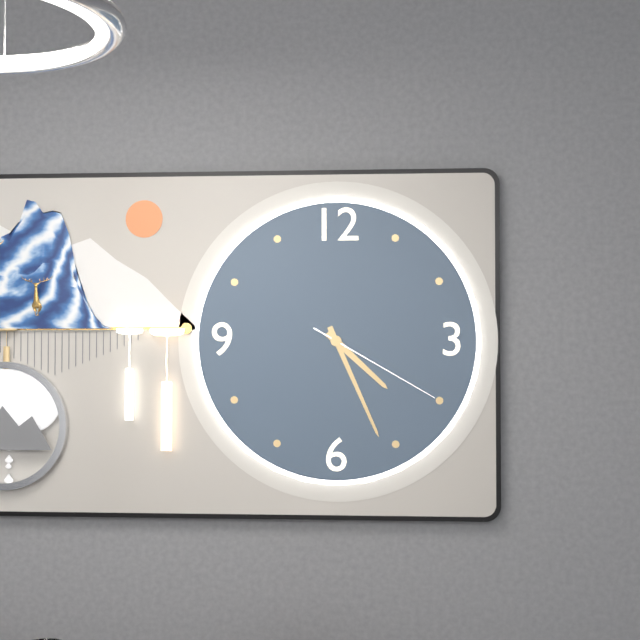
4:26:20
